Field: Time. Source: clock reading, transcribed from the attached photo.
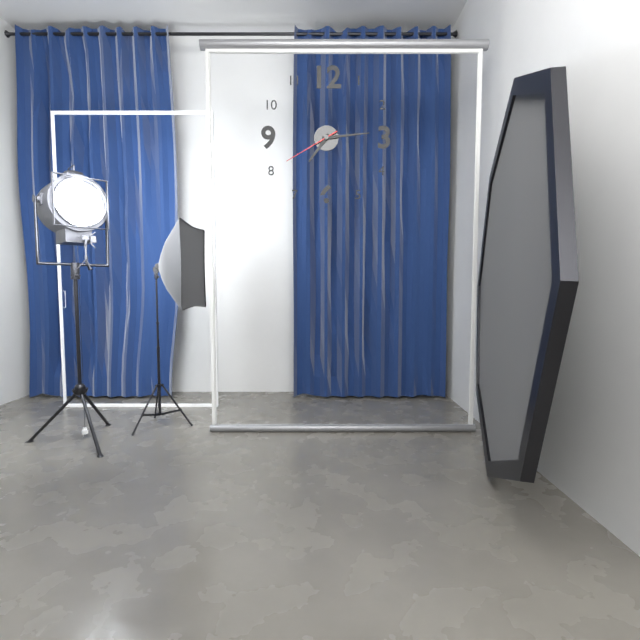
7:14:40
